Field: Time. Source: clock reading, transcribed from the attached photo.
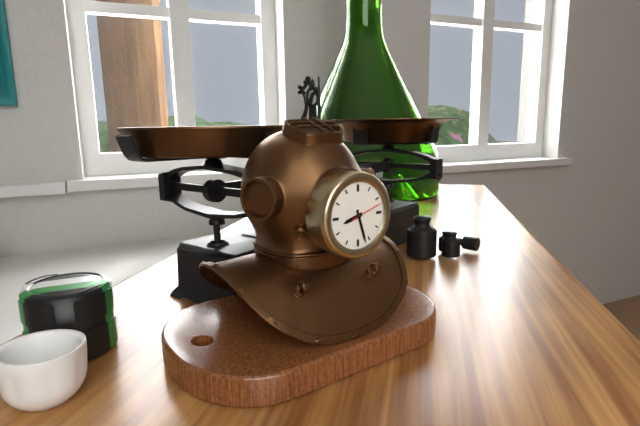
8:27
